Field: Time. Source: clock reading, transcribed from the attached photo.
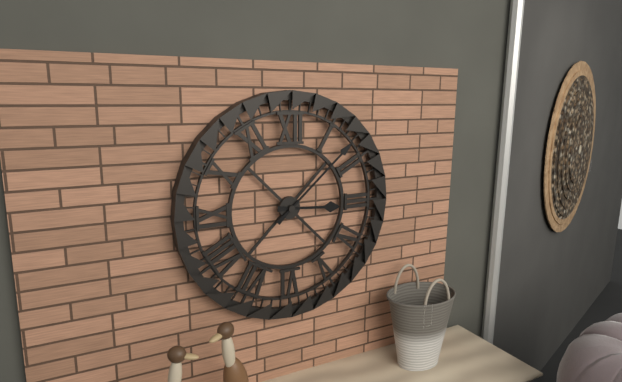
3:08
